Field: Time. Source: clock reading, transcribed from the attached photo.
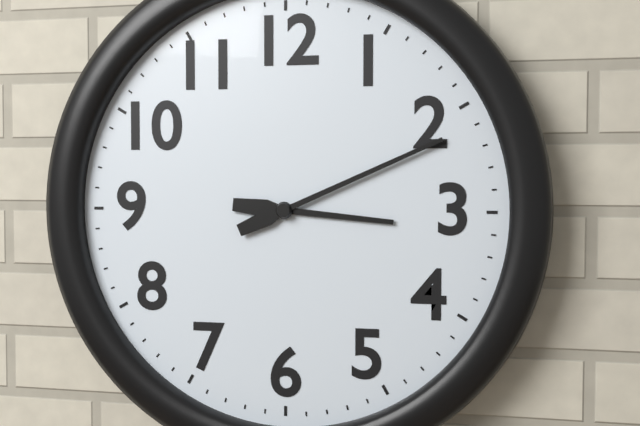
3:11
